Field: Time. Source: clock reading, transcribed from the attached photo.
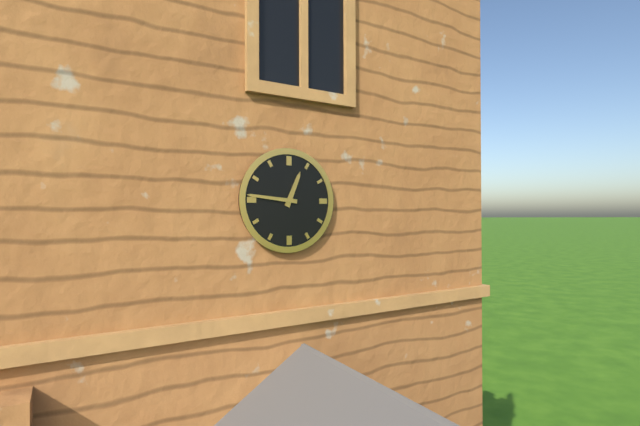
12:46
